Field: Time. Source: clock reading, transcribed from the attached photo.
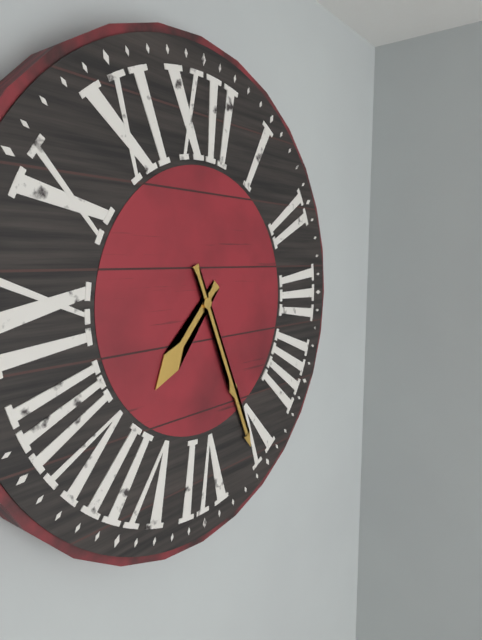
7:26
